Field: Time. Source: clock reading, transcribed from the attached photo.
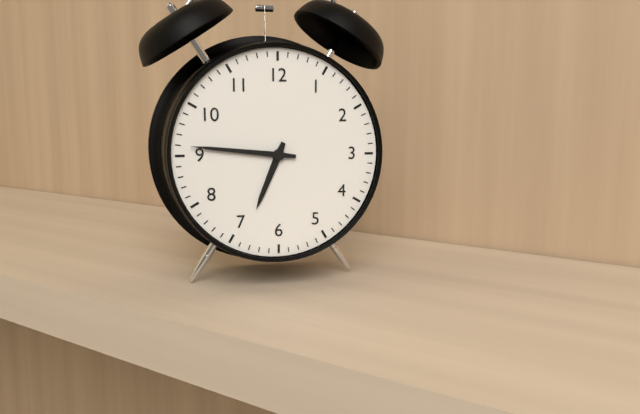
6:46
